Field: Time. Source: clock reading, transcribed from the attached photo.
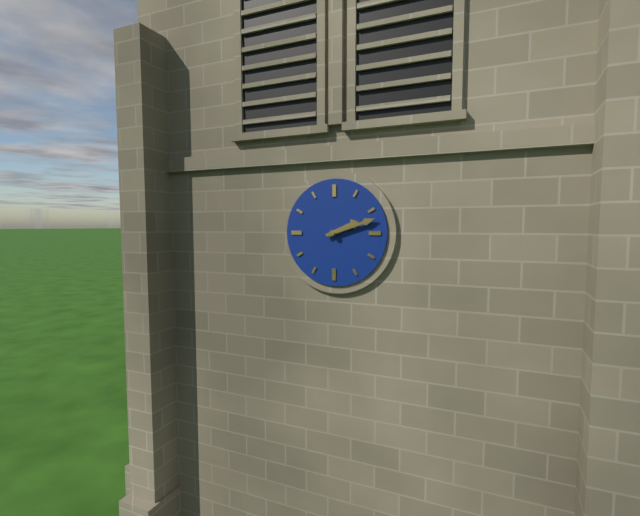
2:12
